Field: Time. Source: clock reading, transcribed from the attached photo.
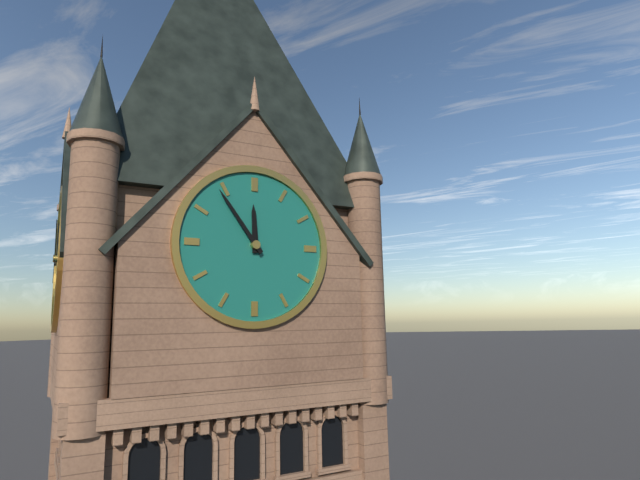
11:54
